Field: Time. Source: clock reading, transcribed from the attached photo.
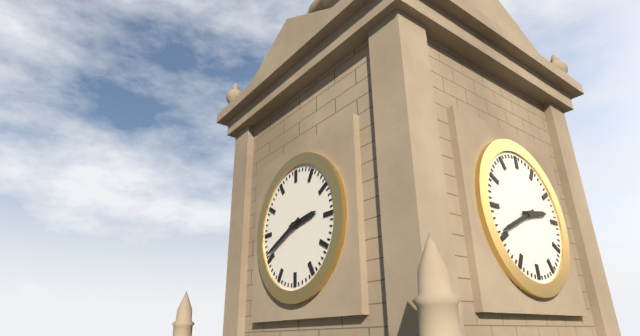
2:41
